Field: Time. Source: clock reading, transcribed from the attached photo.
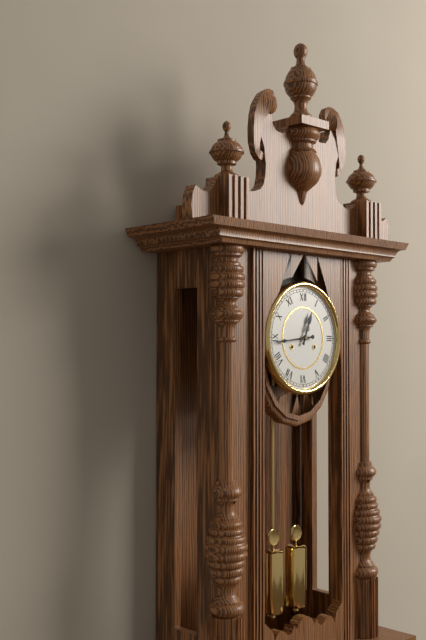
12:44
